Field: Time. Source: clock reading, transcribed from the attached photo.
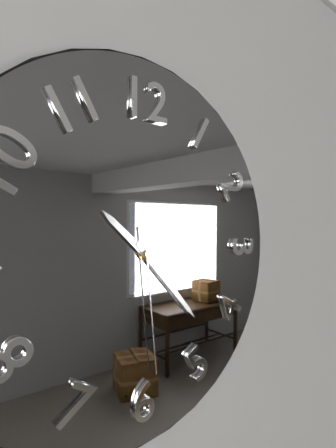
10:23:29
